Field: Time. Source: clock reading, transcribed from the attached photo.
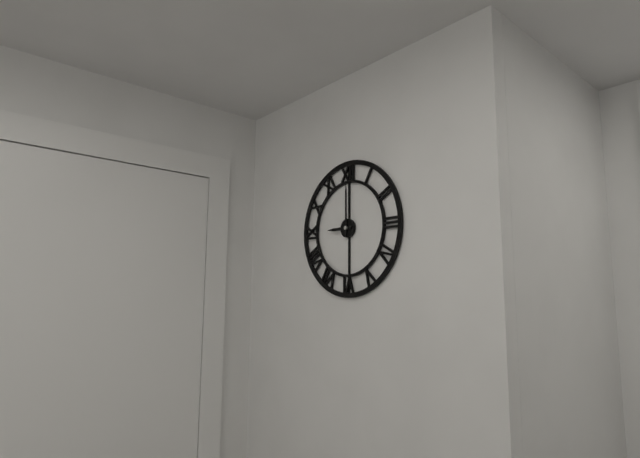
9:00
